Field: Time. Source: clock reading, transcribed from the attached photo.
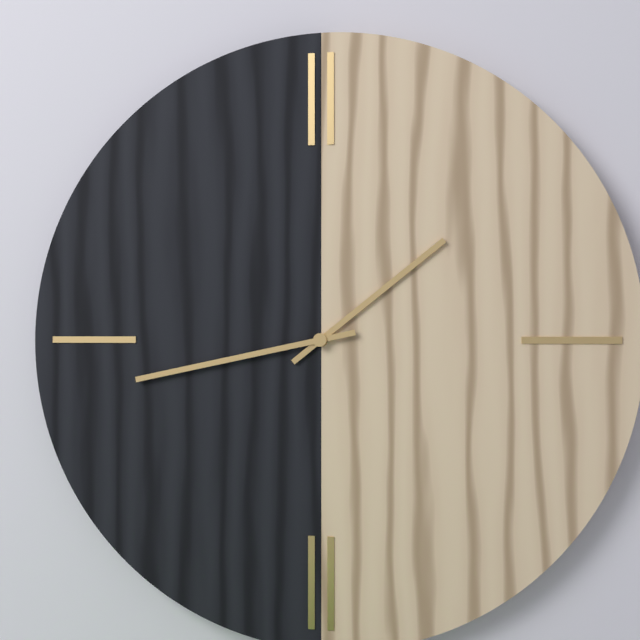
1:43
